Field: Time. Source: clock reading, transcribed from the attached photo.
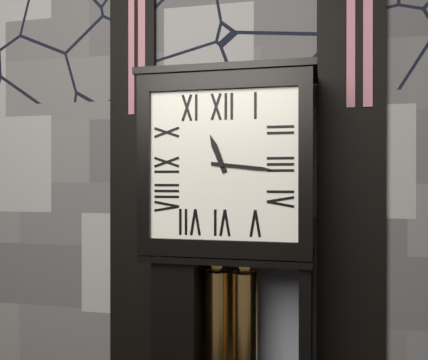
11:16
